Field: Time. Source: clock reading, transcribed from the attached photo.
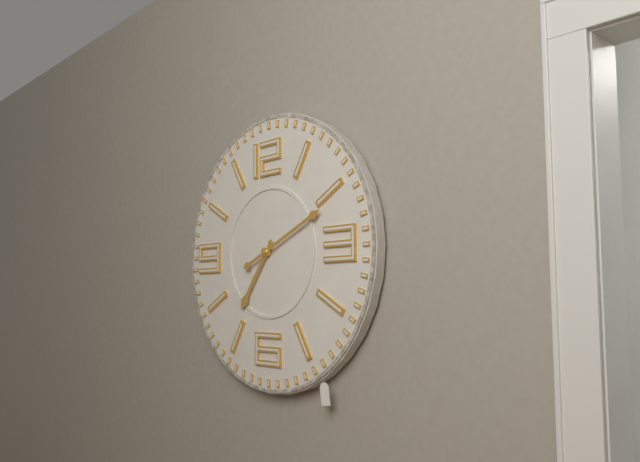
7:11
